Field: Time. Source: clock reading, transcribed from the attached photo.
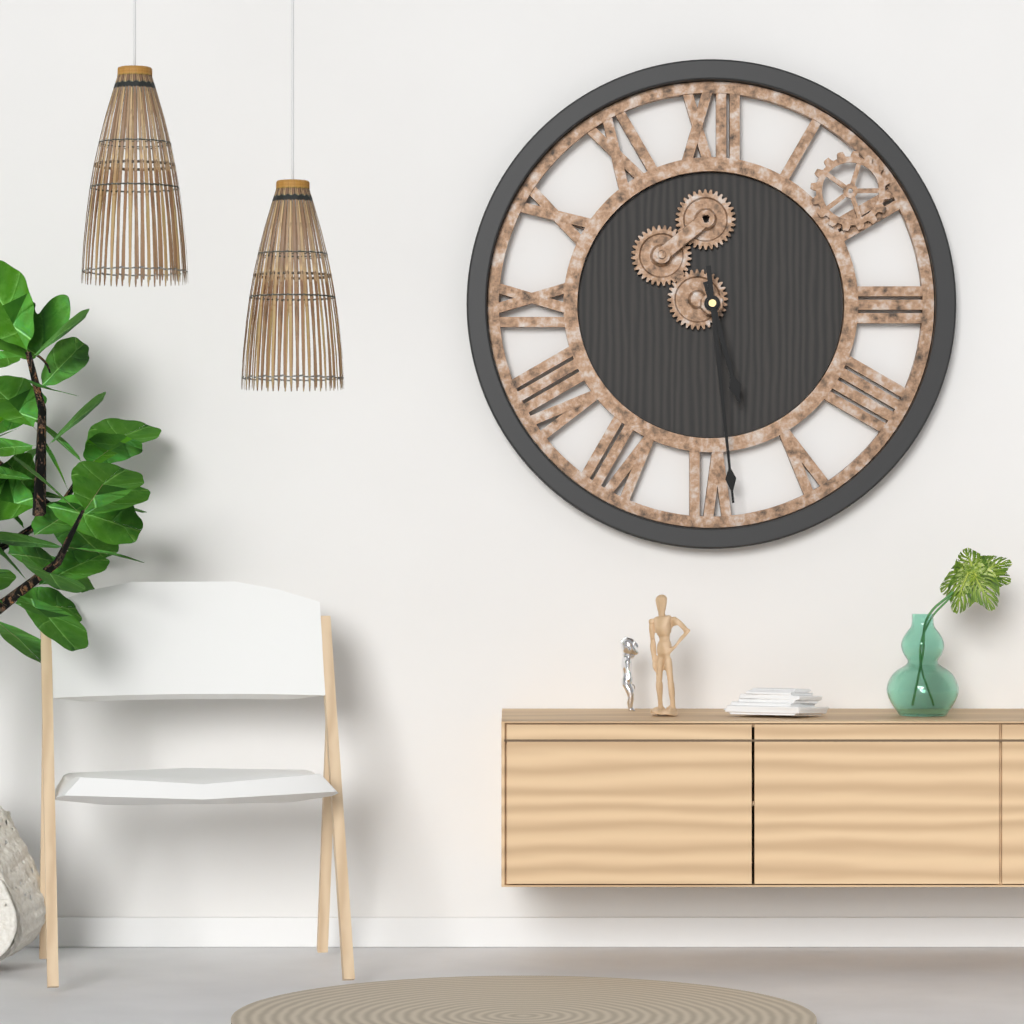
5:29
